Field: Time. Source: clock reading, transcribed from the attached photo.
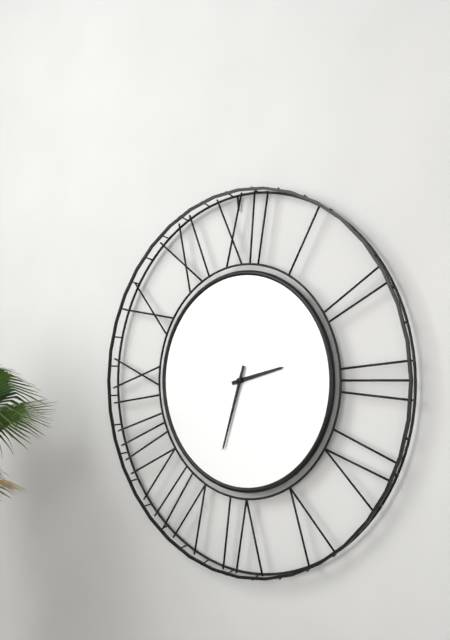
2:33
